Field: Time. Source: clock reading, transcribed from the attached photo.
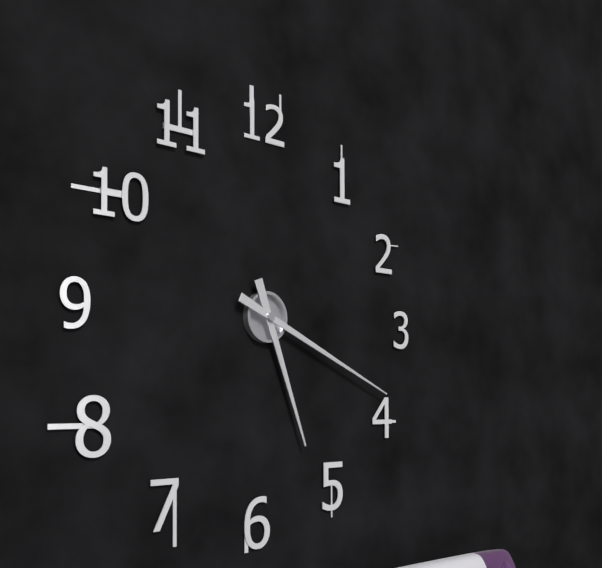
5:19
